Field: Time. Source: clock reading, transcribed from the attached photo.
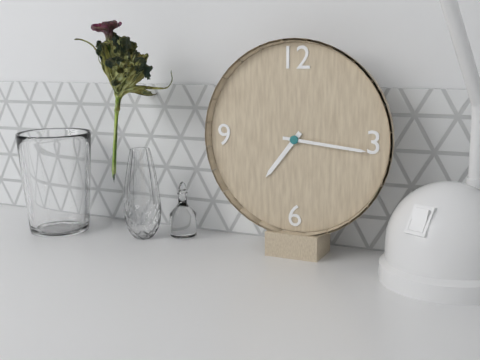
7:16
